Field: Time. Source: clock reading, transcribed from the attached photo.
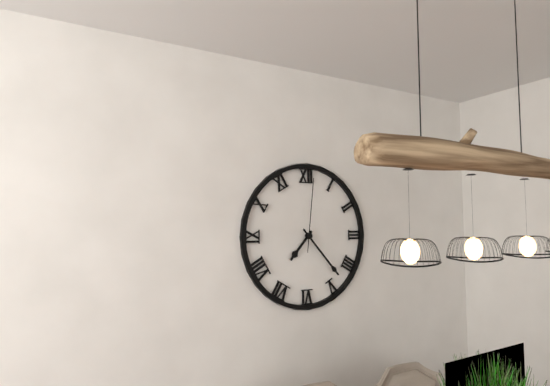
7:23:01
